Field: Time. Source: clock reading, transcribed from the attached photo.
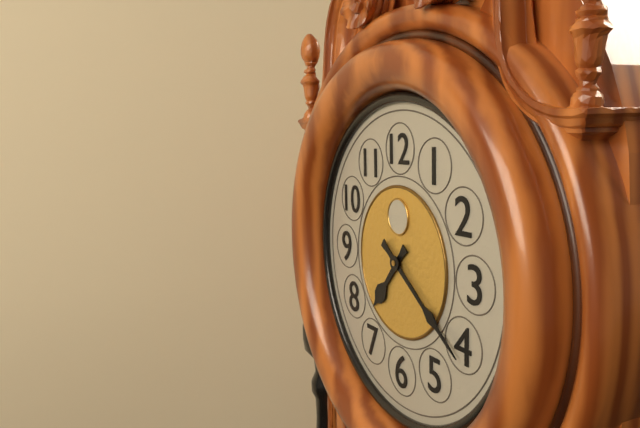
7:21
